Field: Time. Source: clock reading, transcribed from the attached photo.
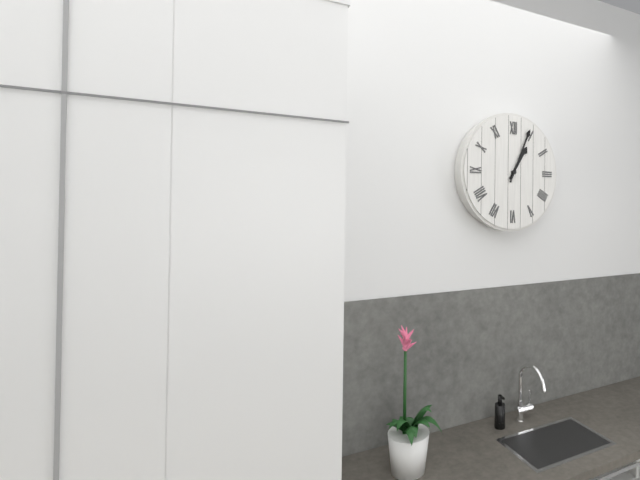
1:04
